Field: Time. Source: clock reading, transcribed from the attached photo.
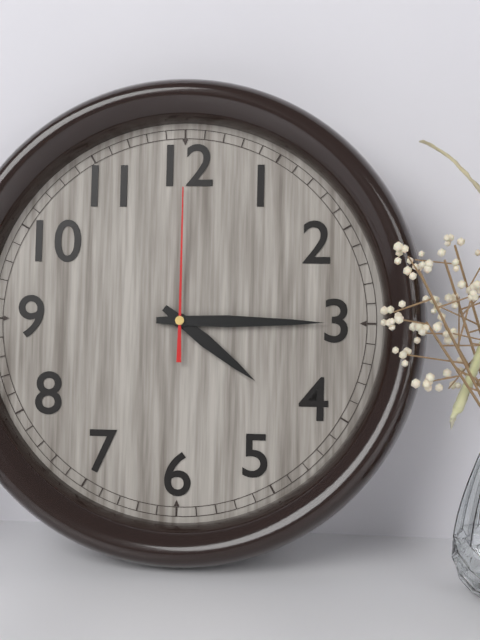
4:15:00
